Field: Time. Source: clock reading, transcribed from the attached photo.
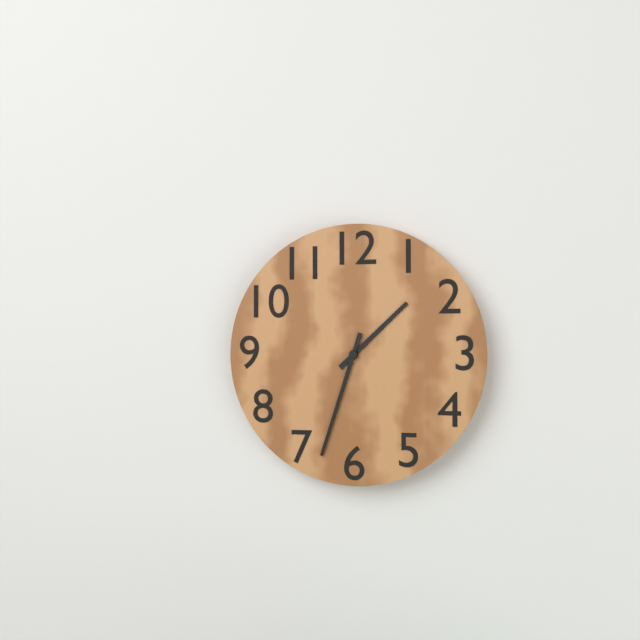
1:33
